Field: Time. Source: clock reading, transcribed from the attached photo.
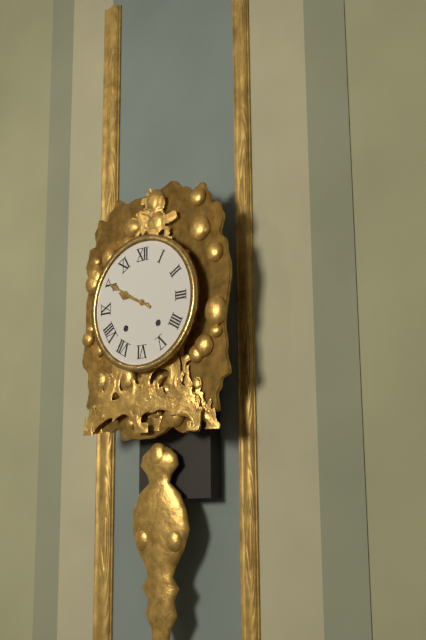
9:50
